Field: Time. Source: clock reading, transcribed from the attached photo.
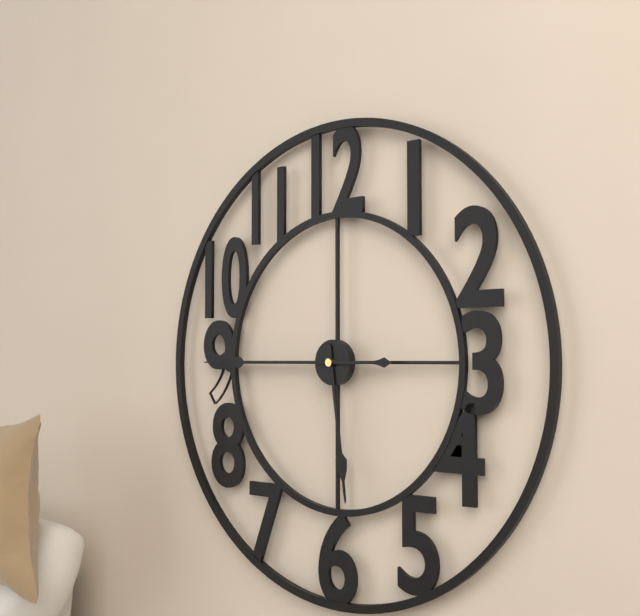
5:45
